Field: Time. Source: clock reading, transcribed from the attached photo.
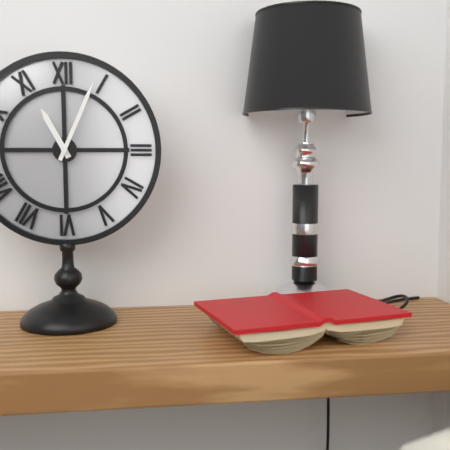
11:04
